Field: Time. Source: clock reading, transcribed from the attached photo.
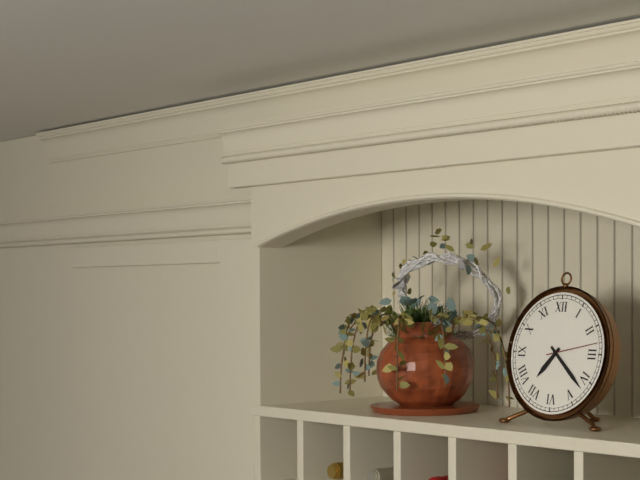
7:22:13
